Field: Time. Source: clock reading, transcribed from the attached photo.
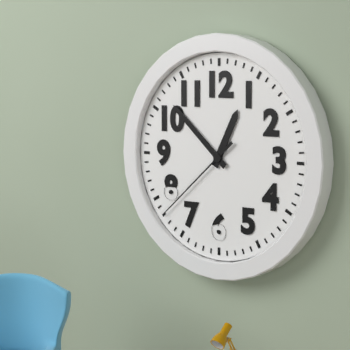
12:52:38
